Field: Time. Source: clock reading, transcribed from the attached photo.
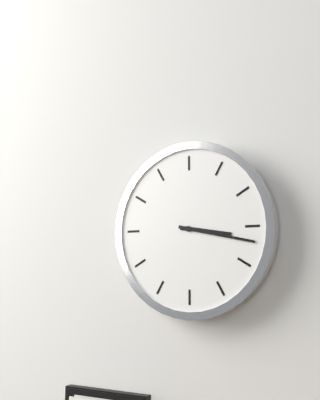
3:17
